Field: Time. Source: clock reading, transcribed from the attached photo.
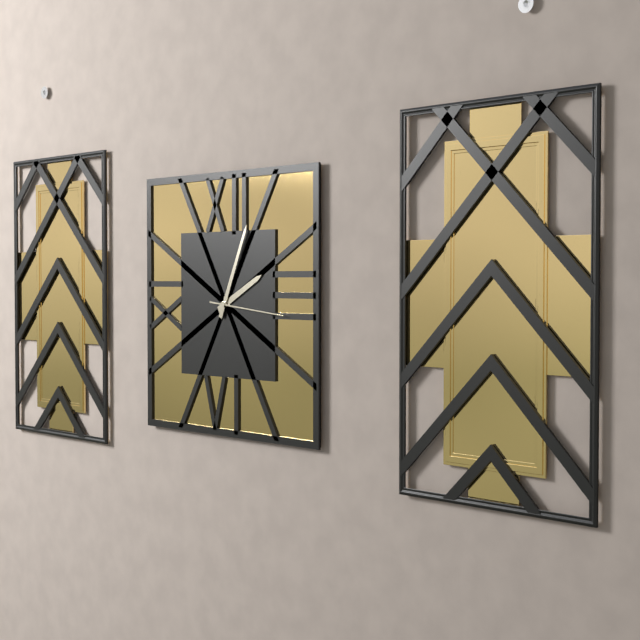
2:04:16
